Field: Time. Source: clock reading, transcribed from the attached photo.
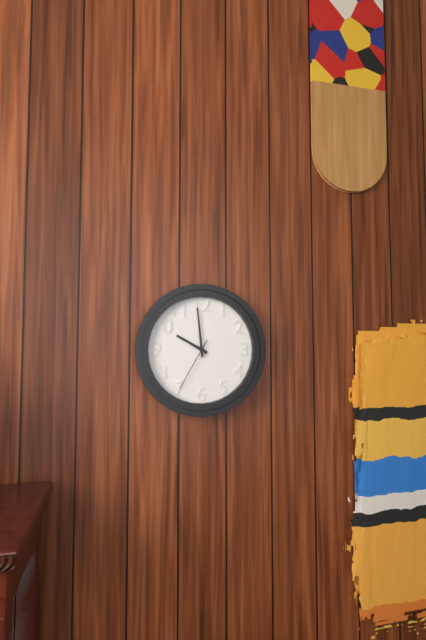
9:59:35
